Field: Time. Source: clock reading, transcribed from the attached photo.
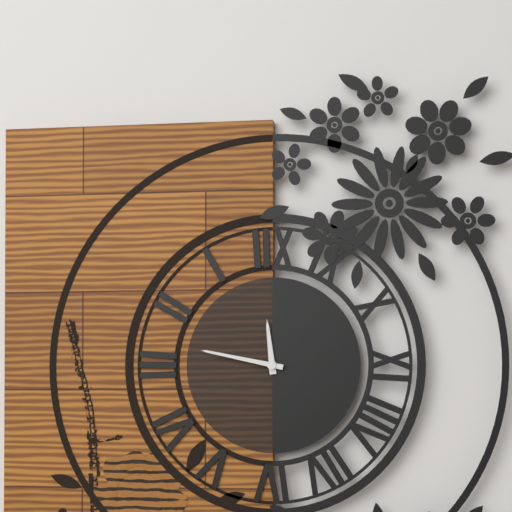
11:47
